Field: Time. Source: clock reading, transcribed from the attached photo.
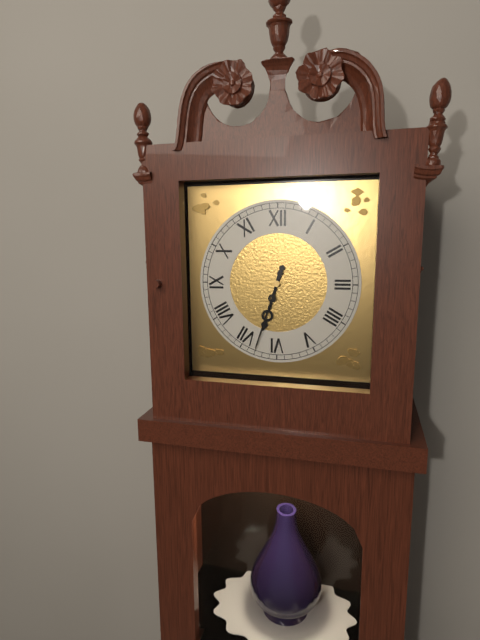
6:33
